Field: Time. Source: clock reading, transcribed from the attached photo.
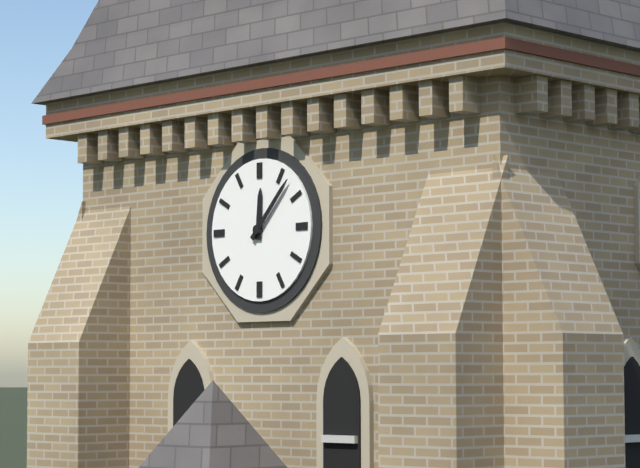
12:07
